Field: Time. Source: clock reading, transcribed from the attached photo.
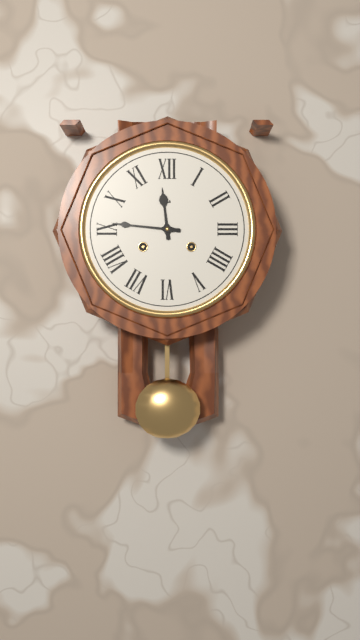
11:46
